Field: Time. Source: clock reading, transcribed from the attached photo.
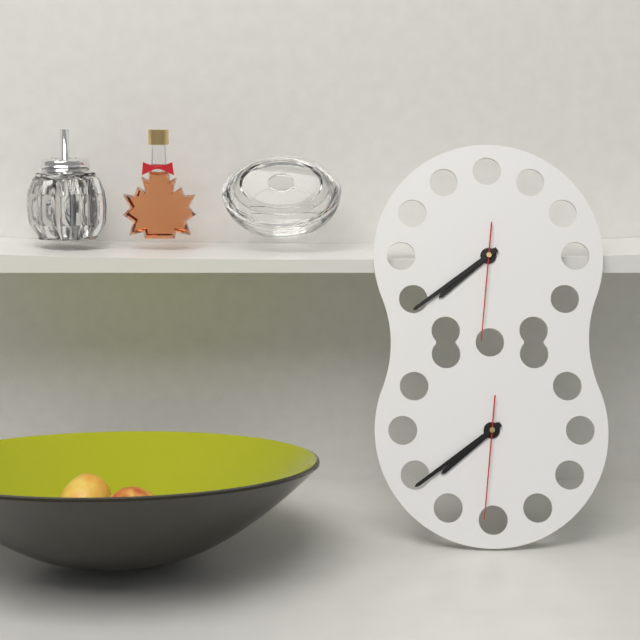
7:39:31
